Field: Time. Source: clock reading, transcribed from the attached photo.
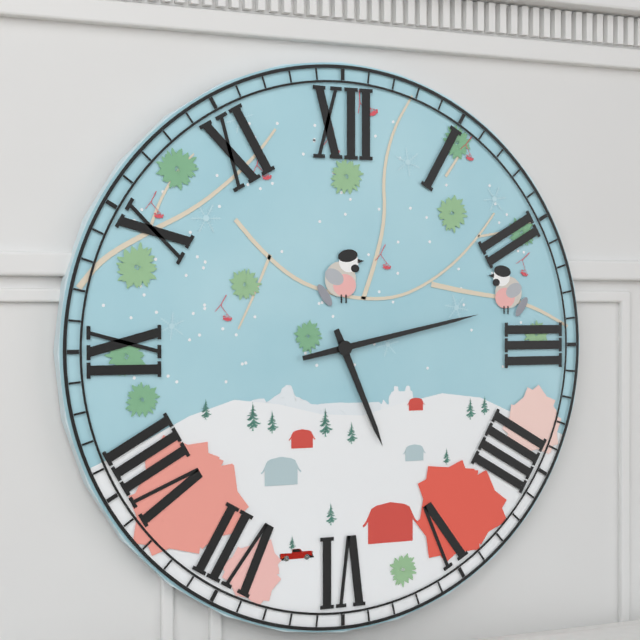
5:13
